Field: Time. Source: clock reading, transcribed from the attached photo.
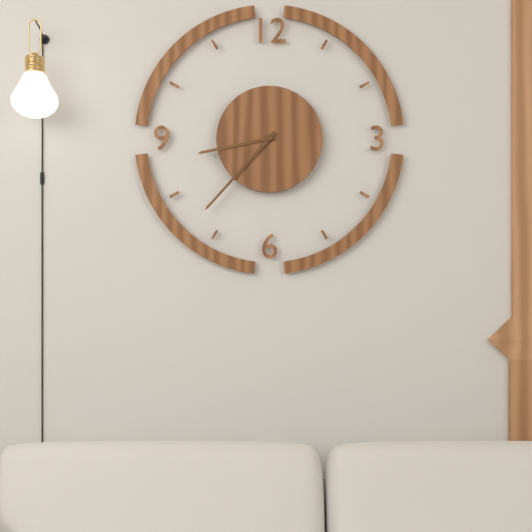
8:37
